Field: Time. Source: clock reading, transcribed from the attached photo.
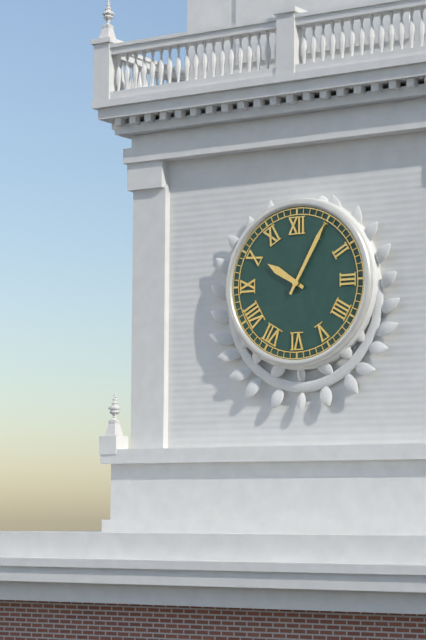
10:05
